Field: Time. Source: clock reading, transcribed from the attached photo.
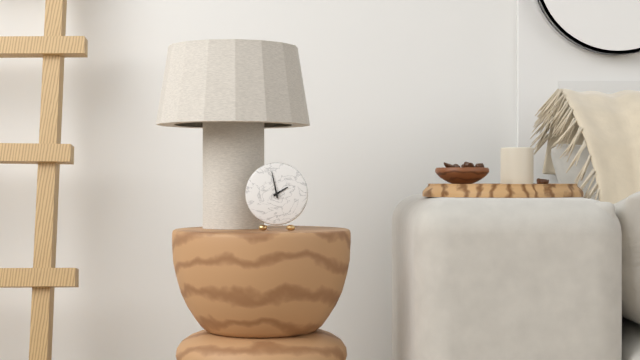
1:58
